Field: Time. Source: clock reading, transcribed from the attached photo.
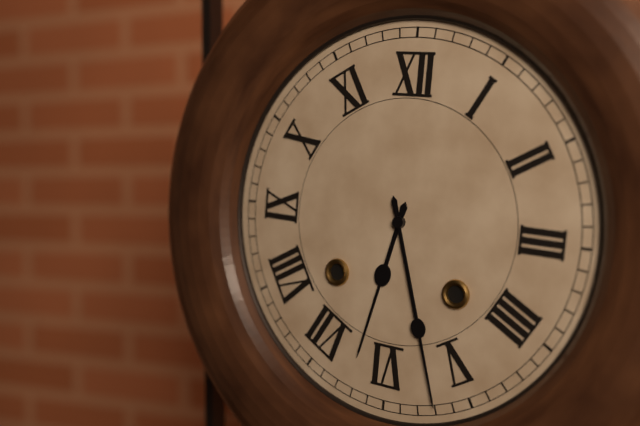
6:27
